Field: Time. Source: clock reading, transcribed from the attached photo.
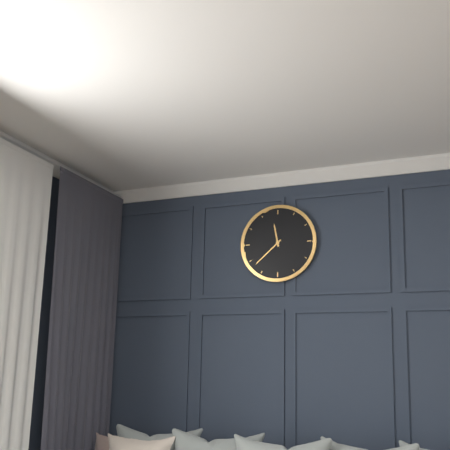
11:38
